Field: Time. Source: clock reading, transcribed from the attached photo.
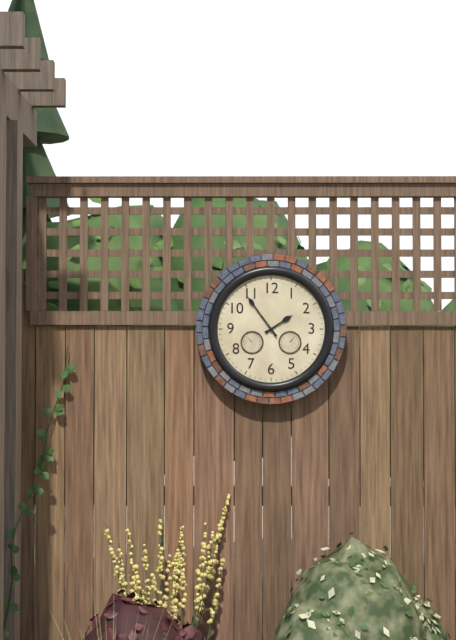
1:54
